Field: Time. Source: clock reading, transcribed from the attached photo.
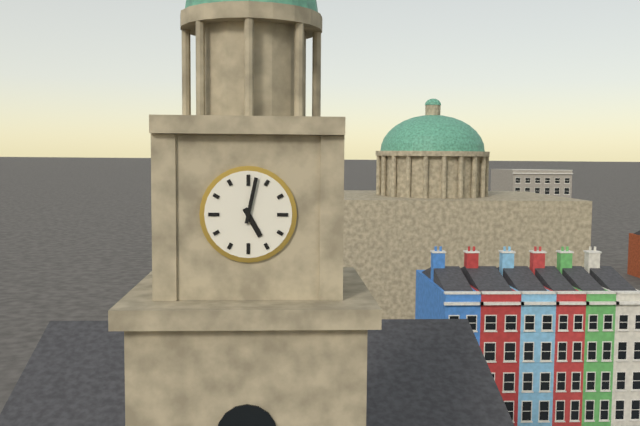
5:02
